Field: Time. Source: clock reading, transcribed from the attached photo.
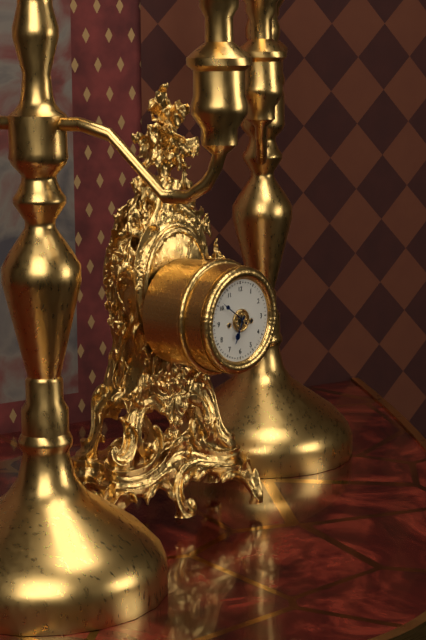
6:51
